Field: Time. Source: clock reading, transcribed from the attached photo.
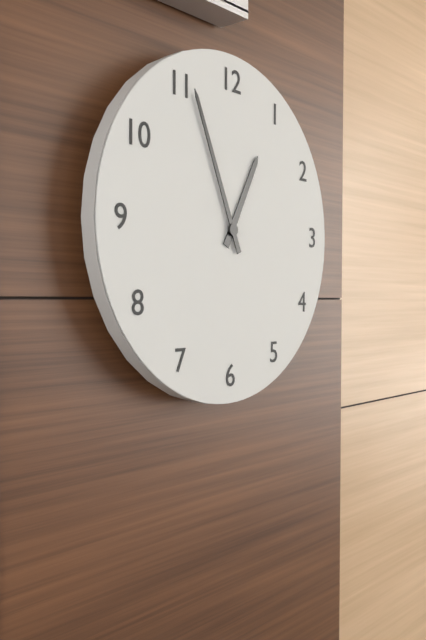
12:56
